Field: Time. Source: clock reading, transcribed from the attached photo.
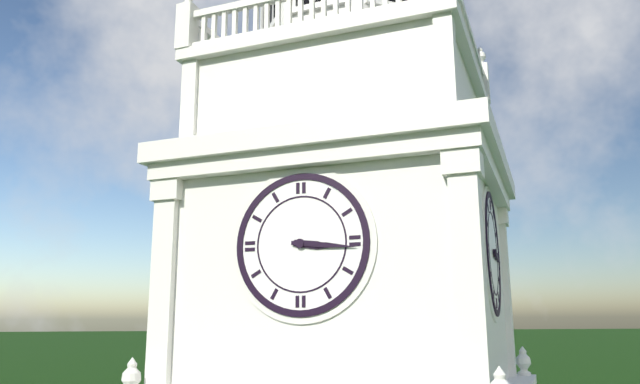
3:16
